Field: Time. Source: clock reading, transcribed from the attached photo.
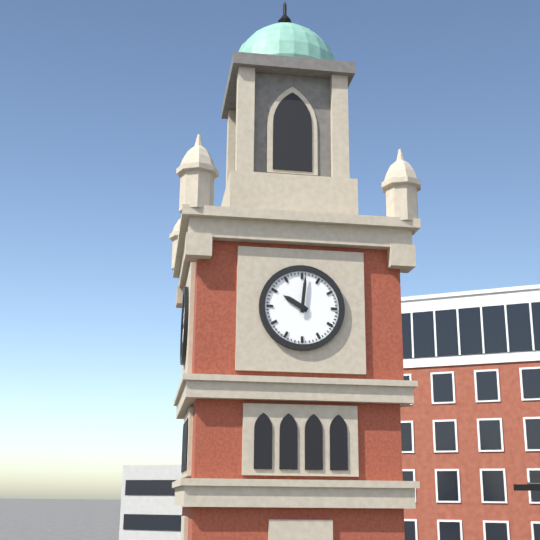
10:01
